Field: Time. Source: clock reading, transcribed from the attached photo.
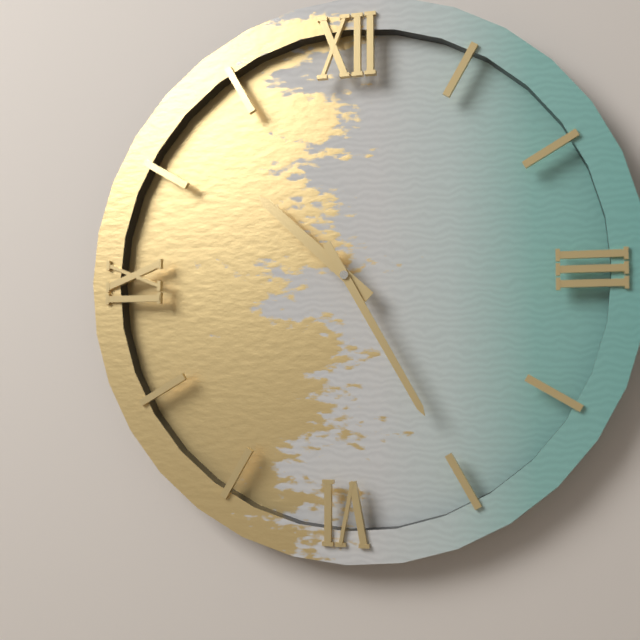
10:25
